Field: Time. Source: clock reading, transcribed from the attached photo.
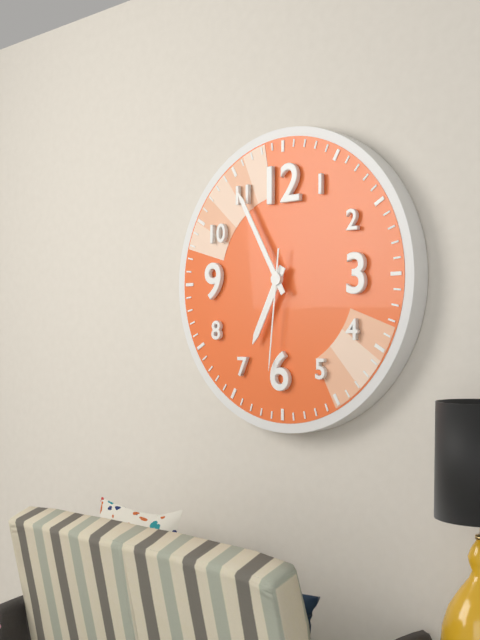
6:55:31
